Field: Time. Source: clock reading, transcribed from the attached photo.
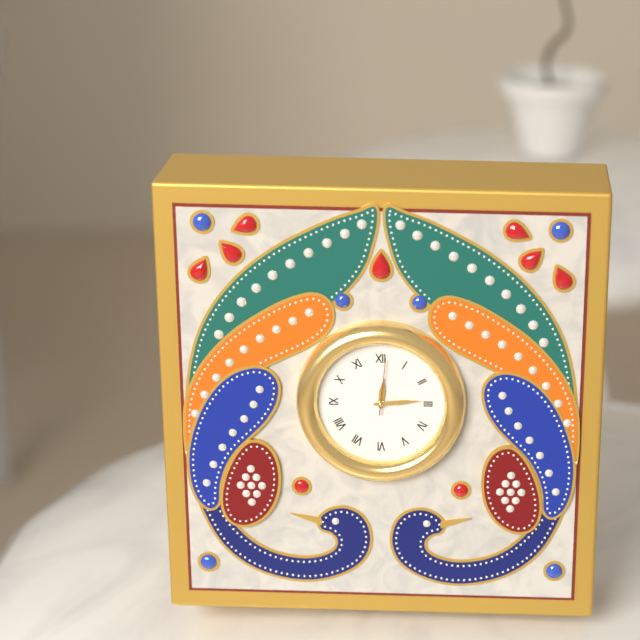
12:14:01
